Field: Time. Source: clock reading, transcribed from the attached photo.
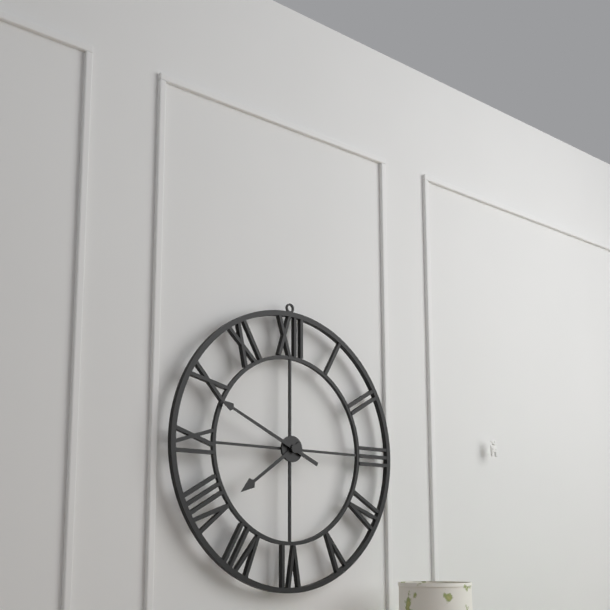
7:49
